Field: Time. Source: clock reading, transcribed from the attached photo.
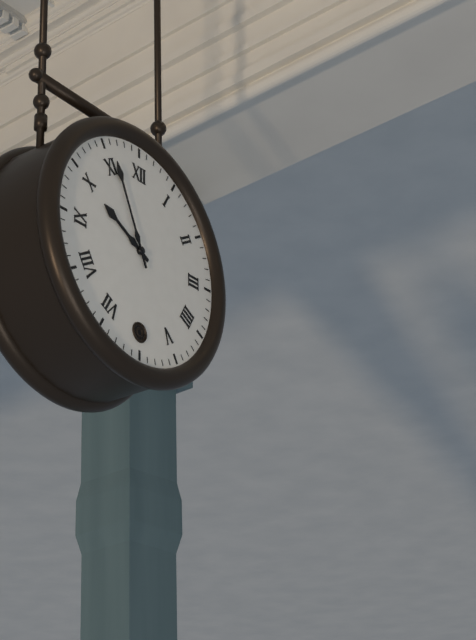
9:56
